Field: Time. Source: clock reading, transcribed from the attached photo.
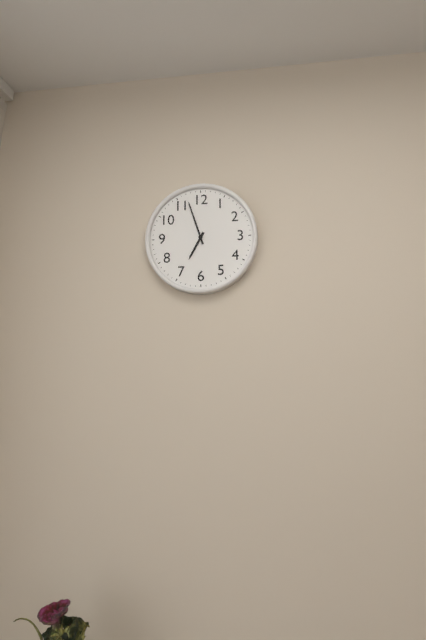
6:57
